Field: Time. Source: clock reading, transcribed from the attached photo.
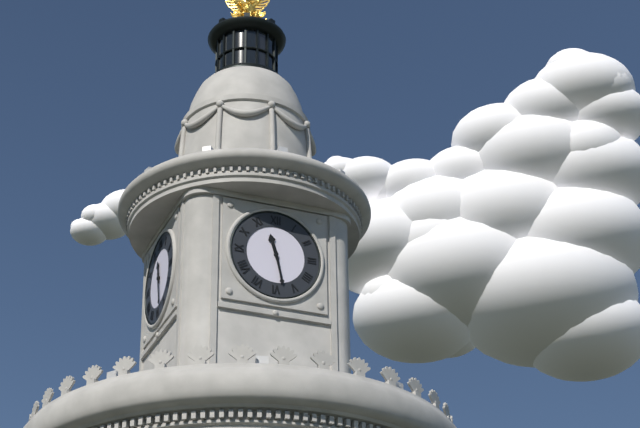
11:28
